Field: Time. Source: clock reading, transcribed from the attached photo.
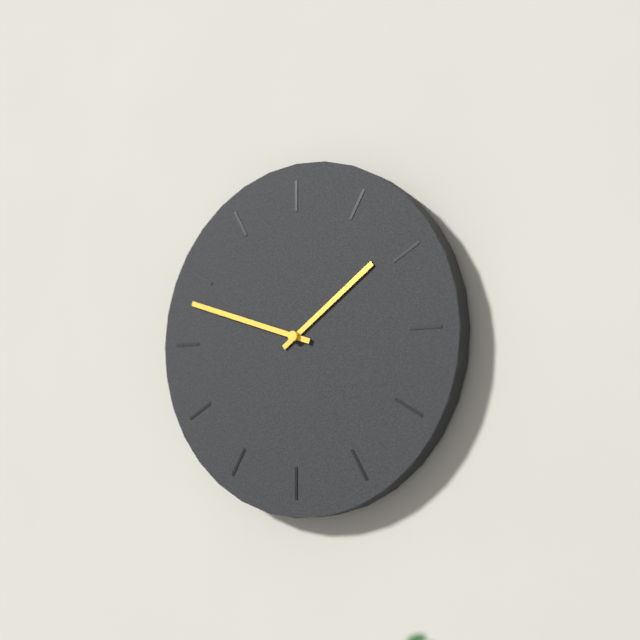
1:48
